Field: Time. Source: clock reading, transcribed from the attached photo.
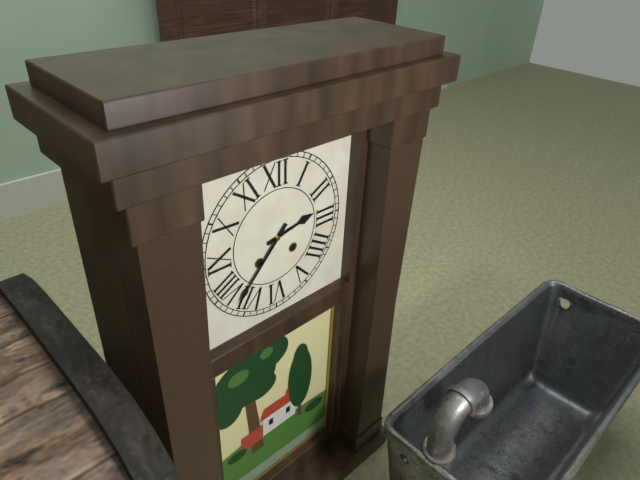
2:37
